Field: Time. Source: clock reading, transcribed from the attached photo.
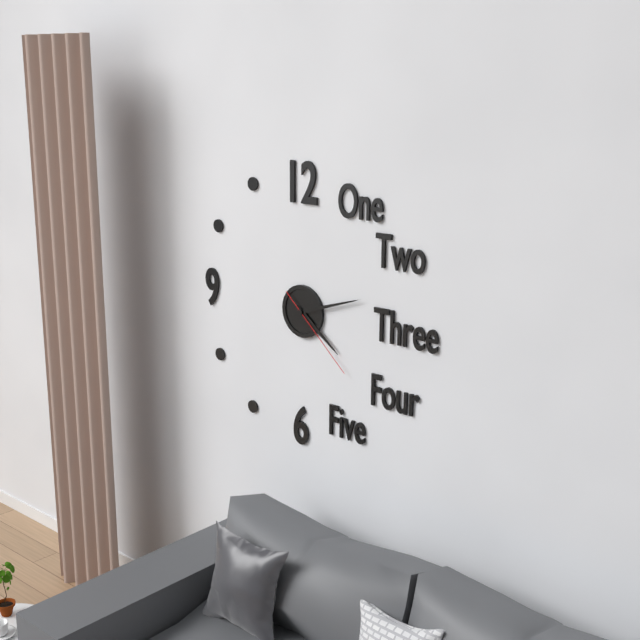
4:12:22
